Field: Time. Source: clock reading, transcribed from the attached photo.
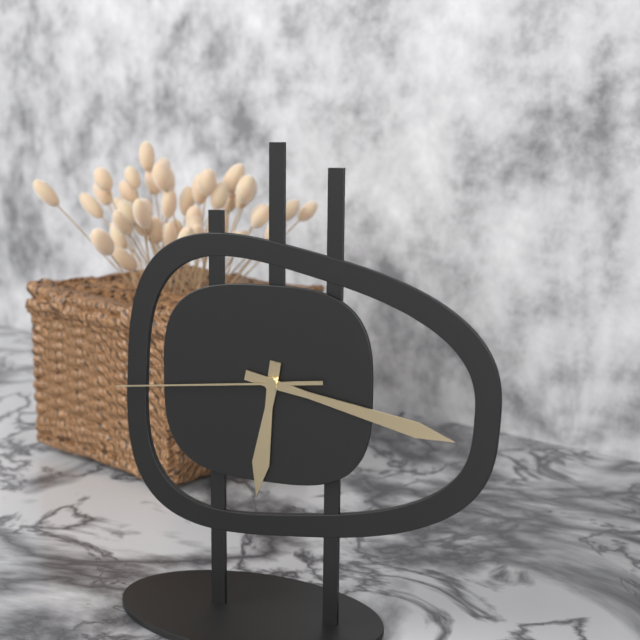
6:17:44
